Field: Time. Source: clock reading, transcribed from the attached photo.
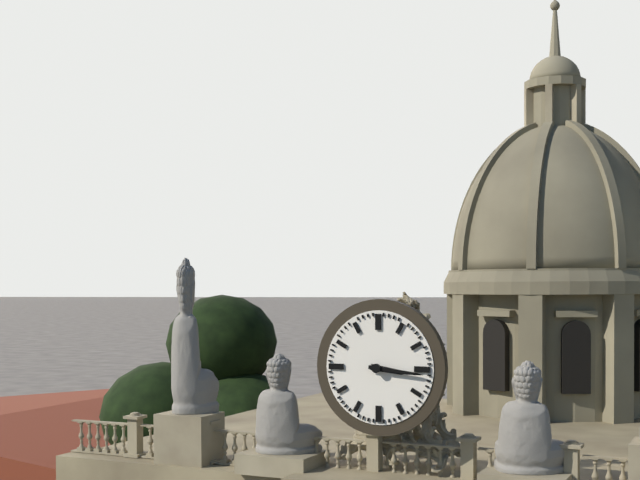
3:16
